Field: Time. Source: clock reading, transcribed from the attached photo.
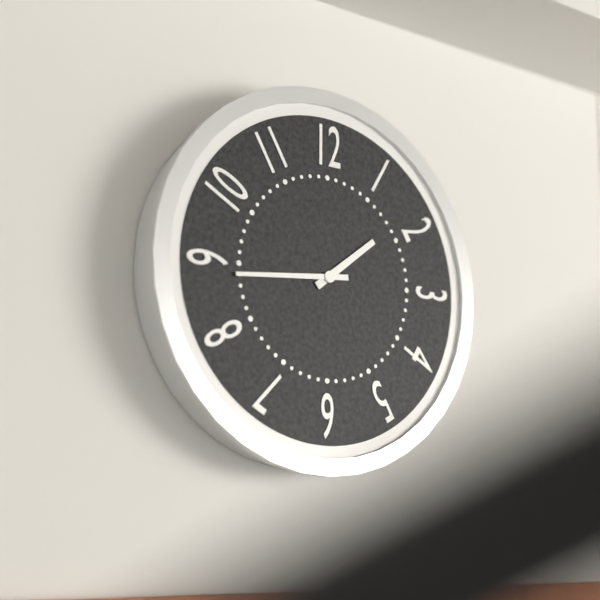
1:44
